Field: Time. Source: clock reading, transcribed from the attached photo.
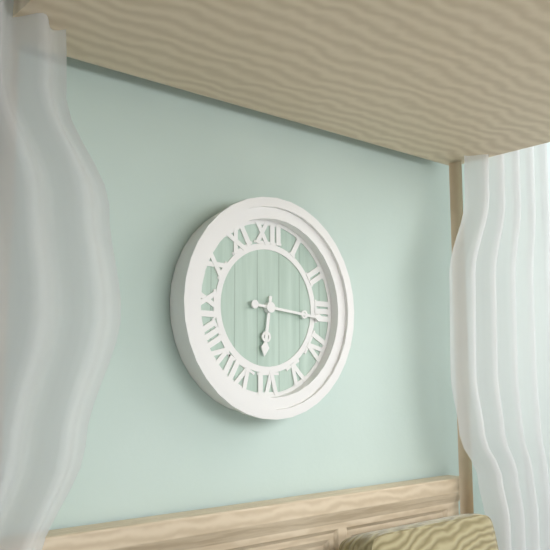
6:16
